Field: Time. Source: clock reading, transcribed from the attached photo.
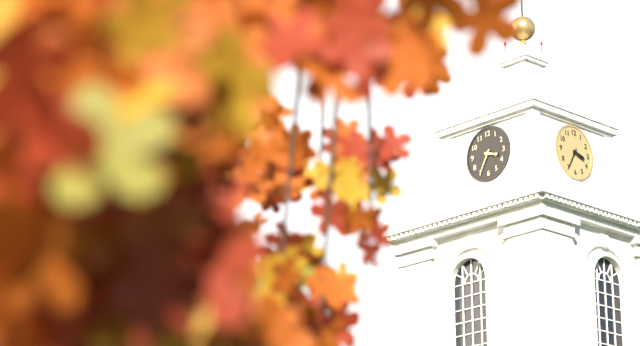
3:35
